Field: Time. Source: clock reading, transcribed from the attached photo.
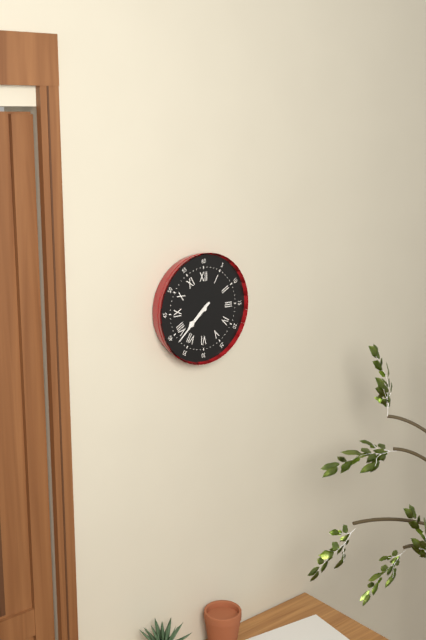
7:38
